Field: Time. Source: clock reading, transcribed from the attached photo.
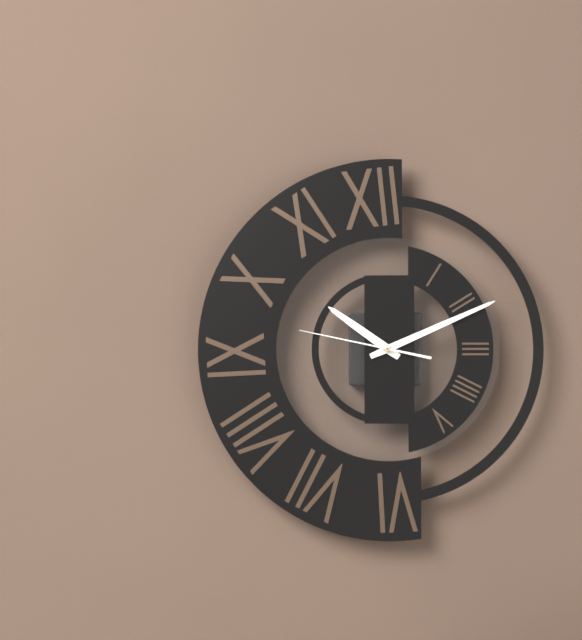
10:11:47
